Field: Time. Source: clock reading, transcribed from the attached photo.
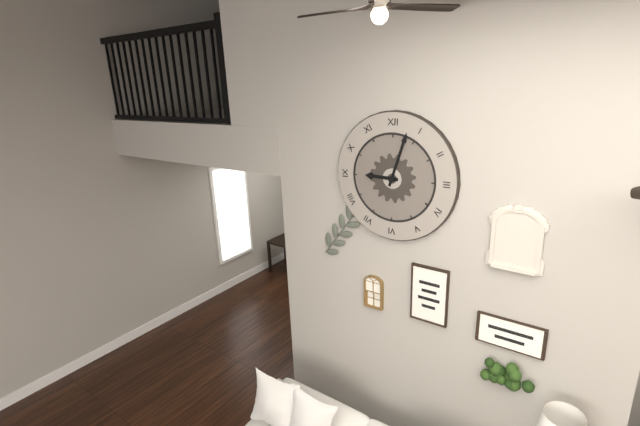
9:03
